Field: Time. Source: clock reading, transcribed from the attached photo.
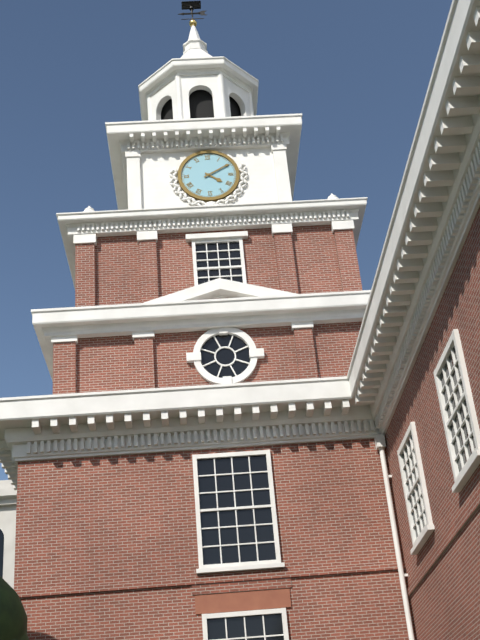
4:10
